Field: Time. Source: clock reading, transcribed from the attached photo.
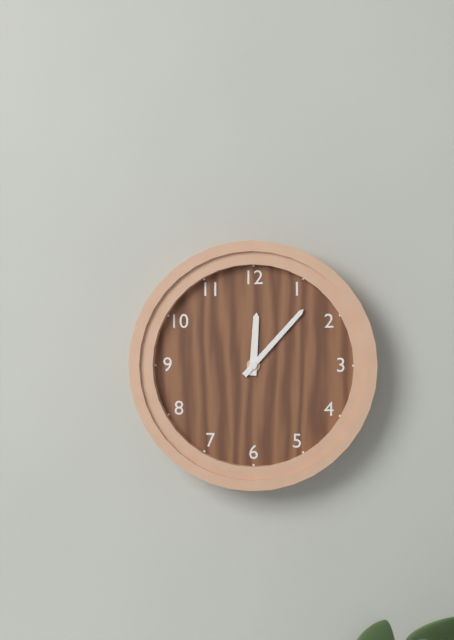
12:07
